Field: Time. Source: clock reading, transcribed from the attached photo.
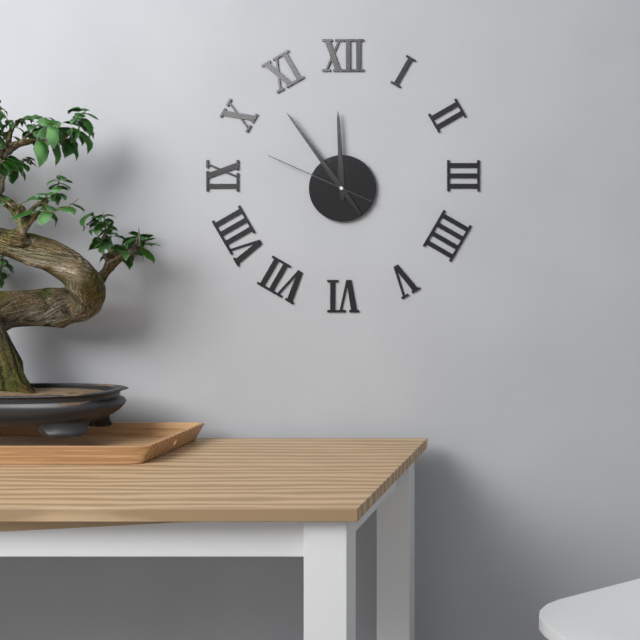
11:54:49
